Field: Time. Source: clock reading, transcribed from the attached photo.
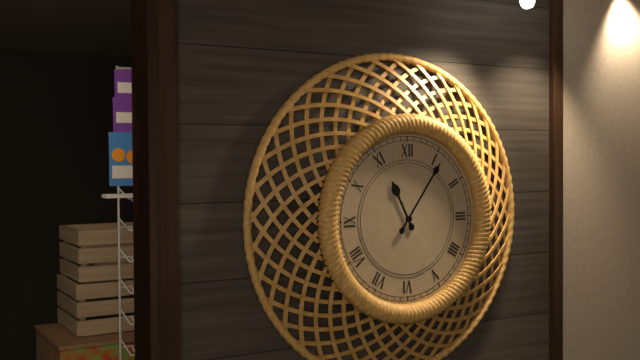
11:06
